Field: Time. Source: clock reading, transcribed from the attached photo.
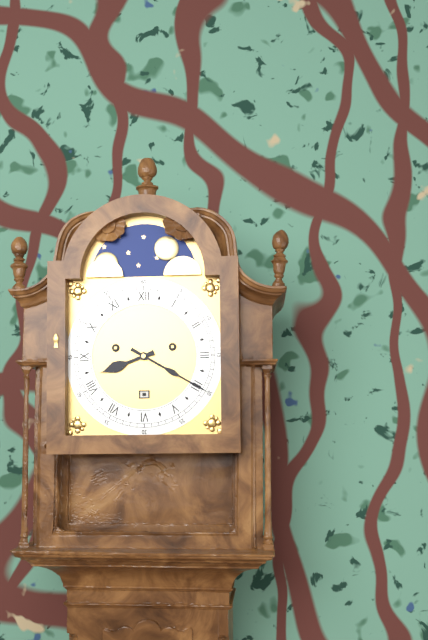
8:20
